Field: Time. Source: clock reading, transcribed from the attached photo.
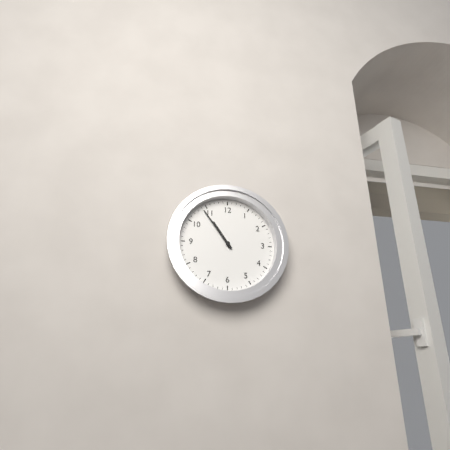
10:54
